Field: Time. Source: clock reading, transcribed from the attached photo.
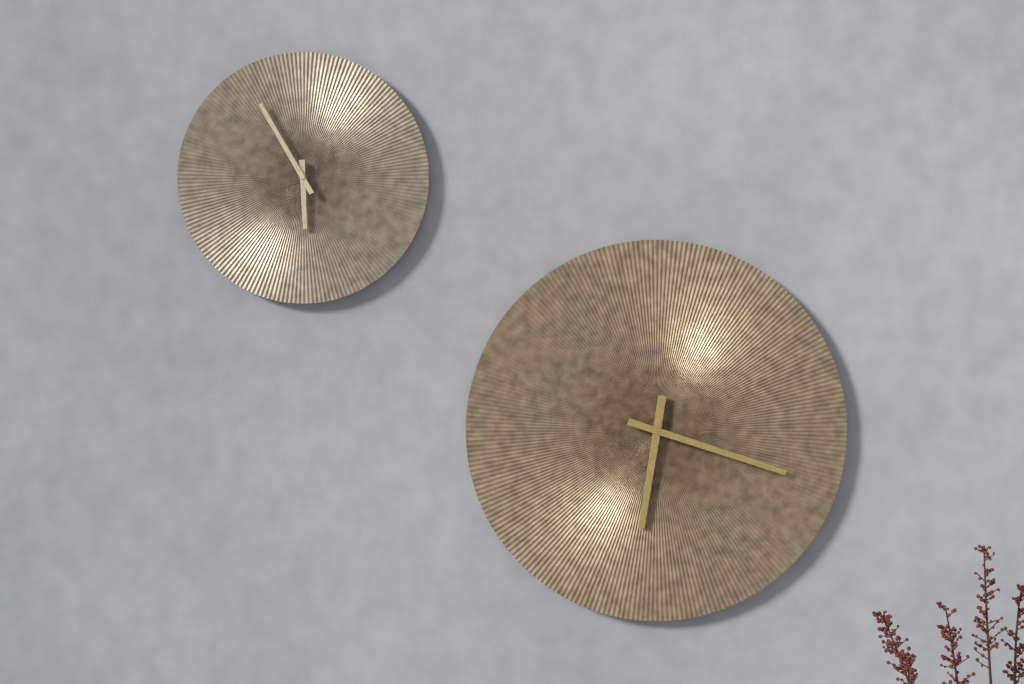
6:18
